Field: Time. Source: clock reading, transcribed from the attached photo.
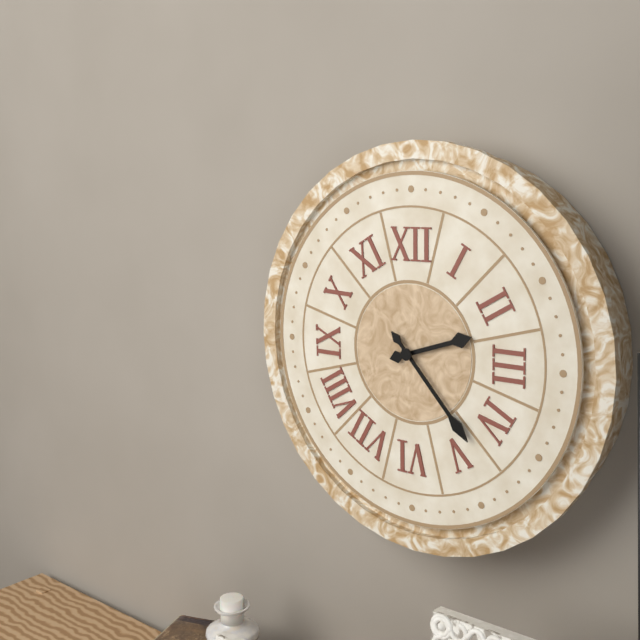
2:23
